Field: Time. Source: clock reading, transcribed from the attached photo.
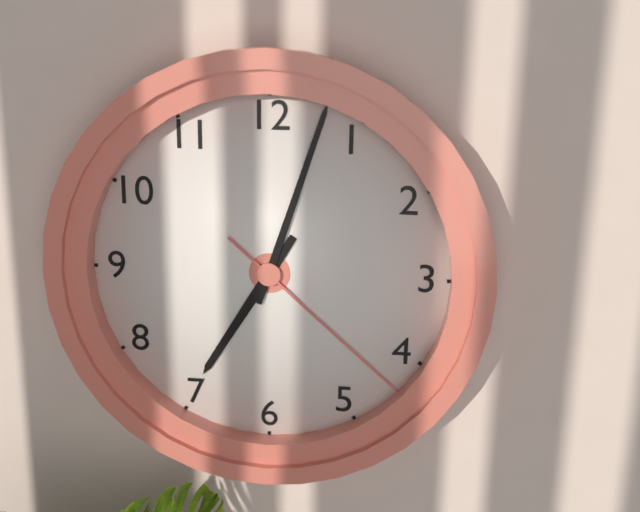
7:03:22
